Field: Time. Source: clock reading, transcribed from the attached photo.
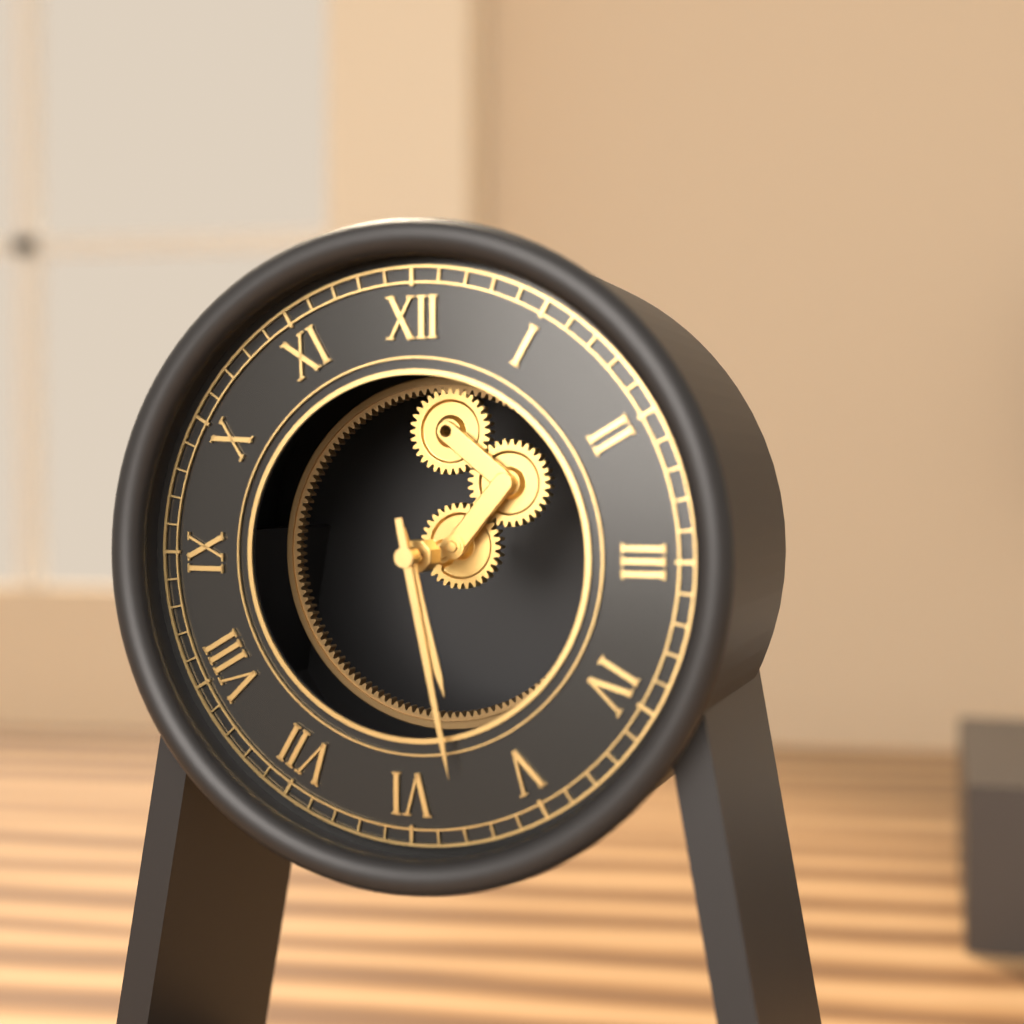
5:28
